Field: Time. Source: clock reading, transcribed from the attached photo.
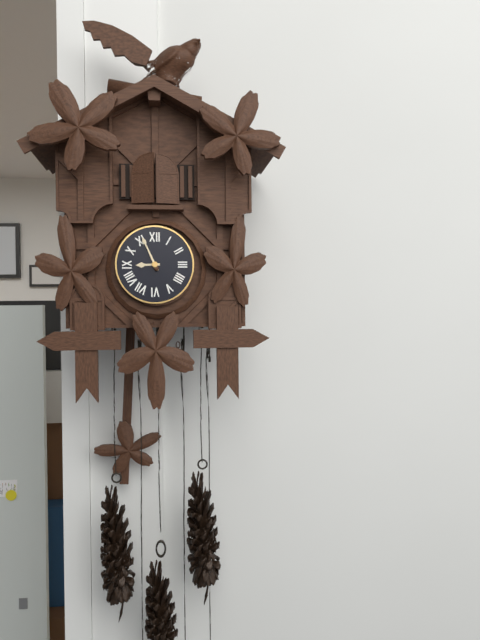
8:56
